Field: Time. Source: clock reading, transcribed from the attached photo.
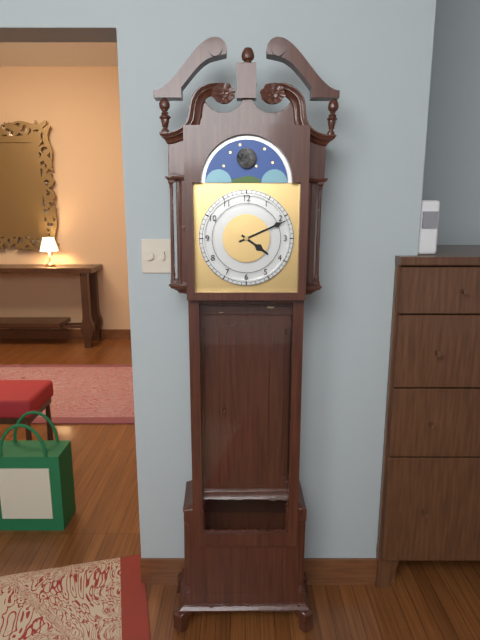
4:11
